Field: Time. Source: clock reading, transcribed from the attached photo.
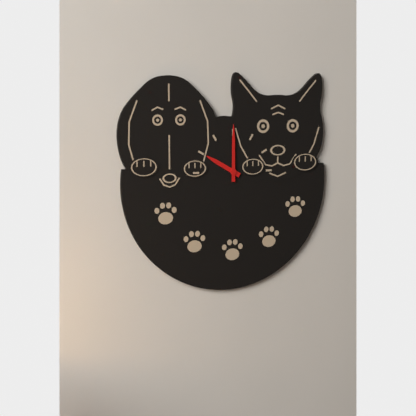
10:00
